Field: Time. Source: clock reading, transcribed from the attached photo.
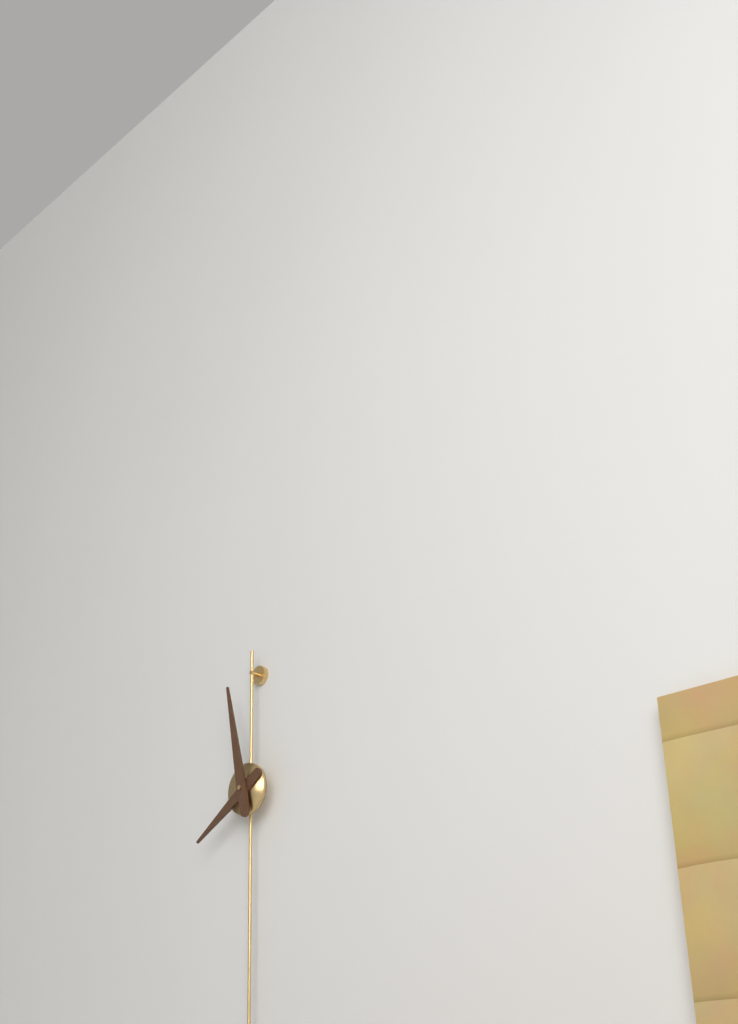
7:58
